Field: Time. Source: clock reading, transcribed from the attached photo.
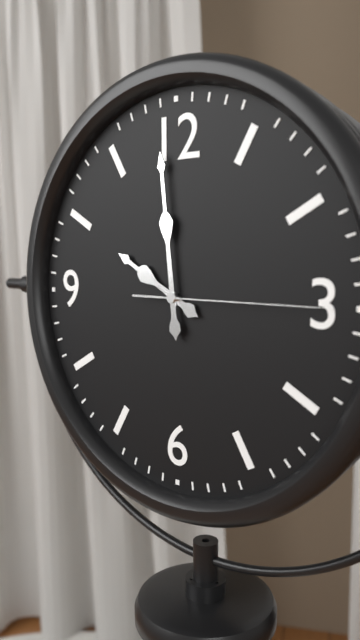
9:59:15
